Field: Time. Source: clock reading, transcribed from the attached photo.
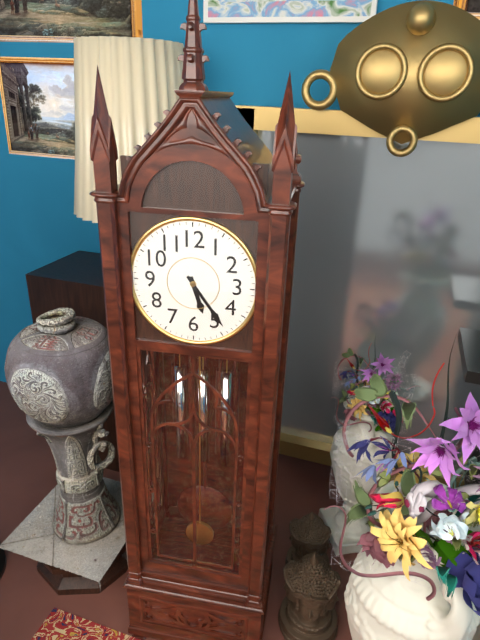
5:24
